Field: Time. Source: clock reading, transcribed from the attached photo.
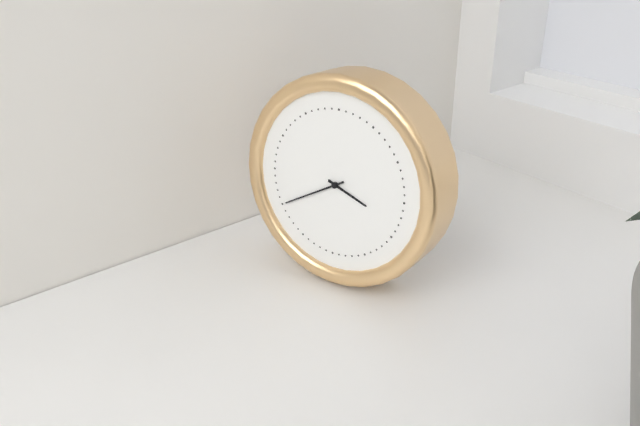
3:40
